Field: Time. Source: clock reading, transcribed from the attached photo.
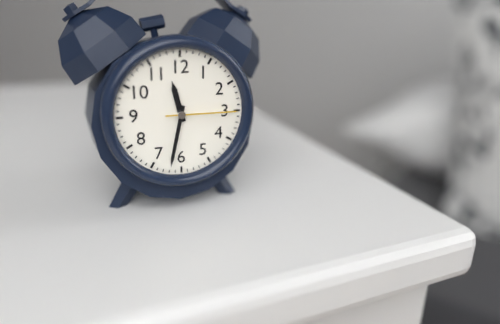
11:32:15
